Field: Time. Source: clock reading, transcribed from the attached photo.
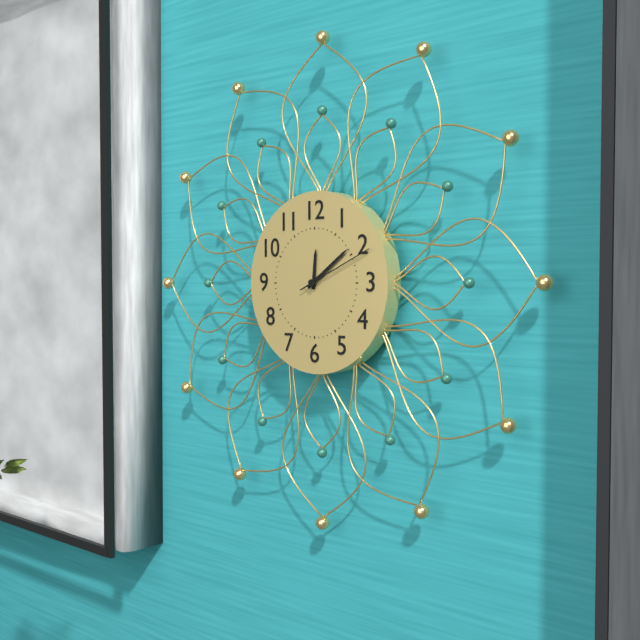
12:09:11
